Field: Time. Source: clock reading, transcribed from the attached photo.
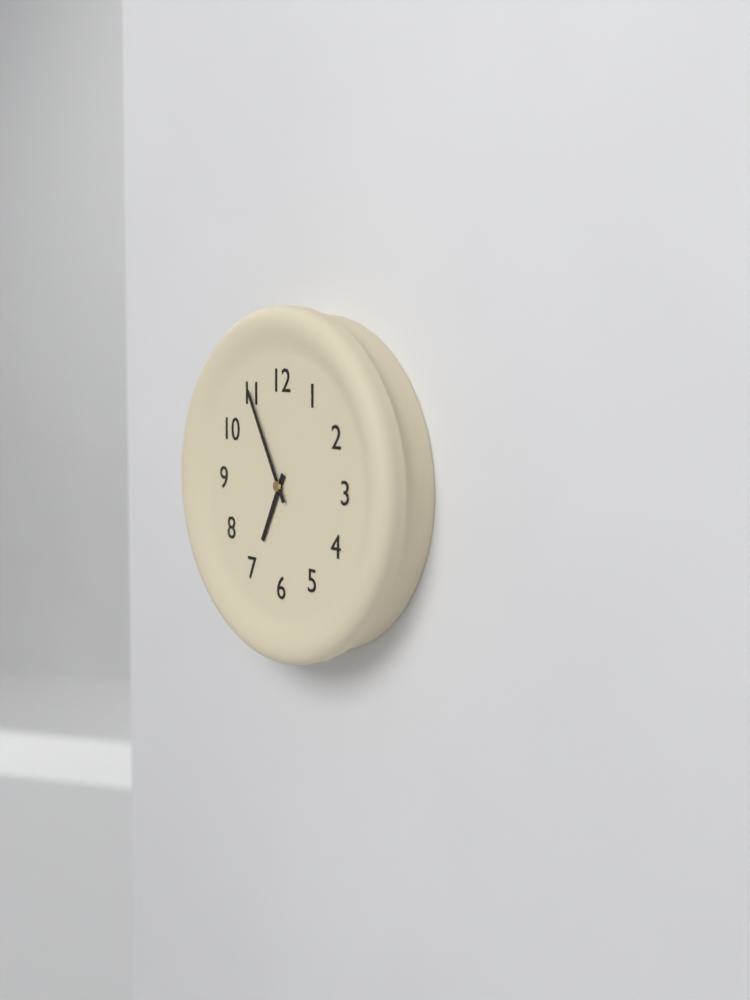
6:55
